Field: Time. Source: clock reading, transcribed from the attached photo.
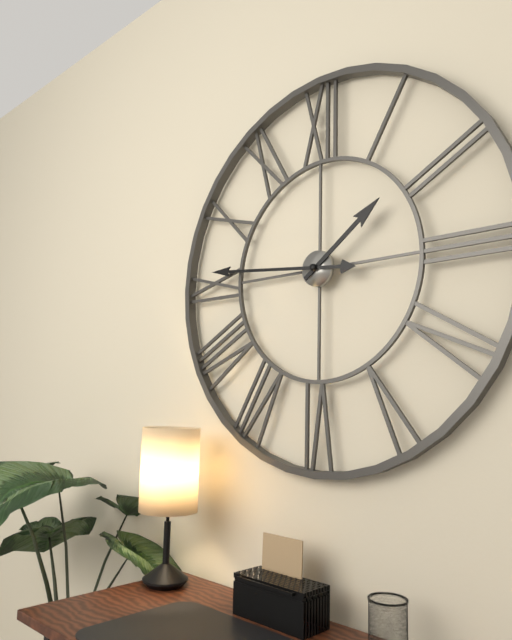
1:46
